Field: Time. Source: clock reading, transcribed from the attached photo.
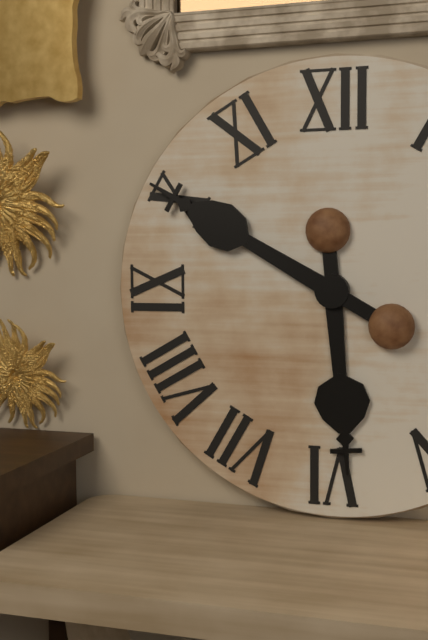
5:50
